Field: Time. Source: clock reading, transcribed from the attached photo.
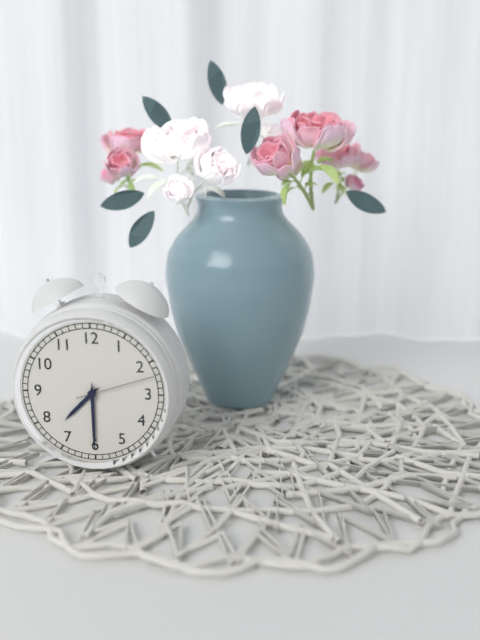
7:30:12
